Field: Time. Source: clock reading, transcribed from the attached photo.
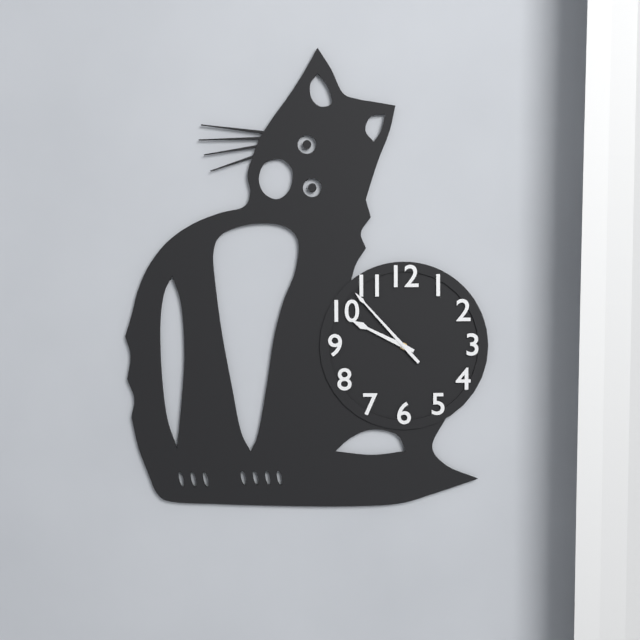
9:53
